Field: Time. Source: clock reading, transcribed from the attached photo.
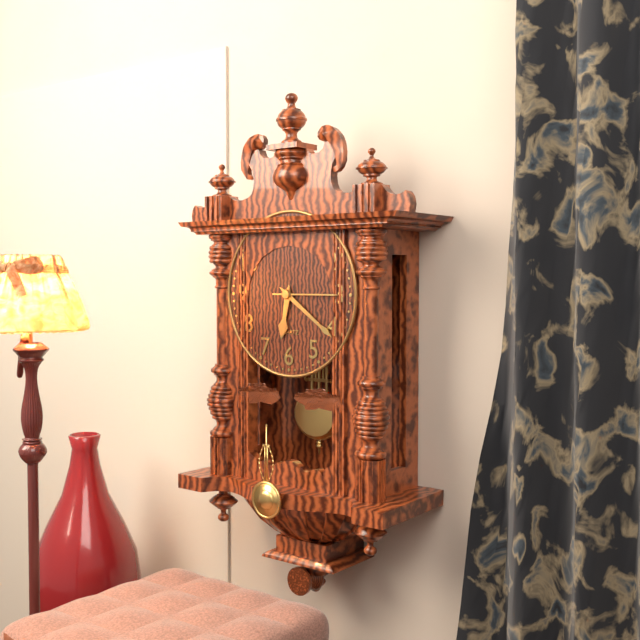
6:21:15
